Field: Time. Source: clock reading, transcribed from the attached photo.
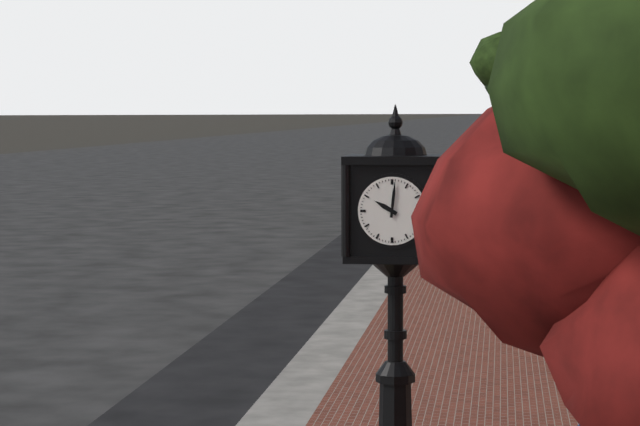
10:01
